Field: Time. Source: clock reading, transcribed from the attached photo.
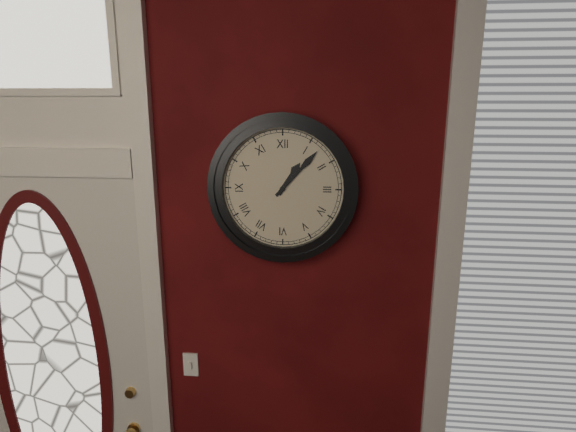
1:07
